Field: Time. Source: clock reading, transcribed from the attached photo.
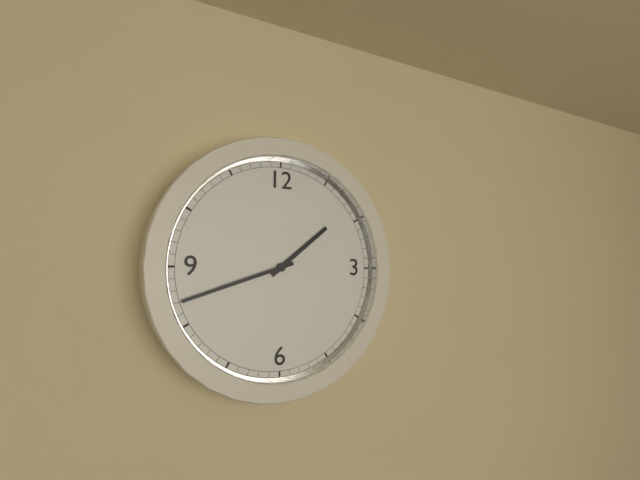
1:42
